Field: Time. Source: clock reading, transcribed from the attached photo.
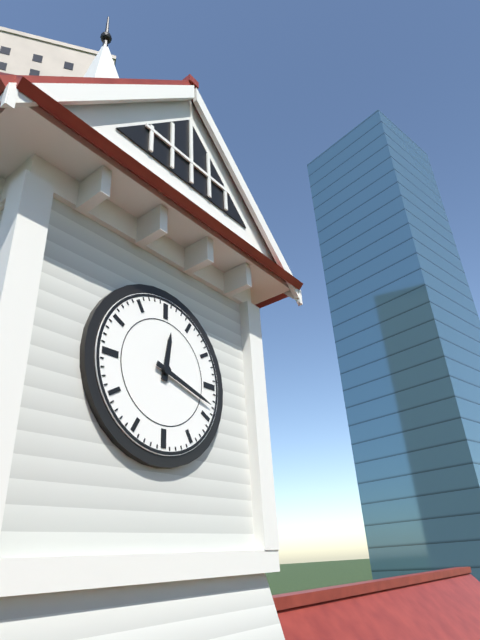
12:18
